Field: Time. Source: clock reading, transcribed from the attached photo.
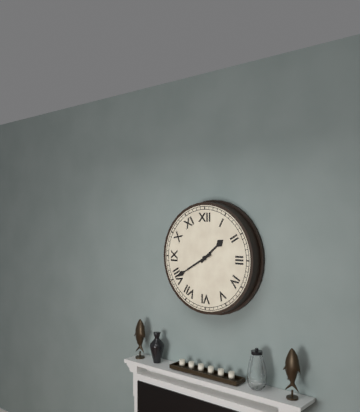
1:40
